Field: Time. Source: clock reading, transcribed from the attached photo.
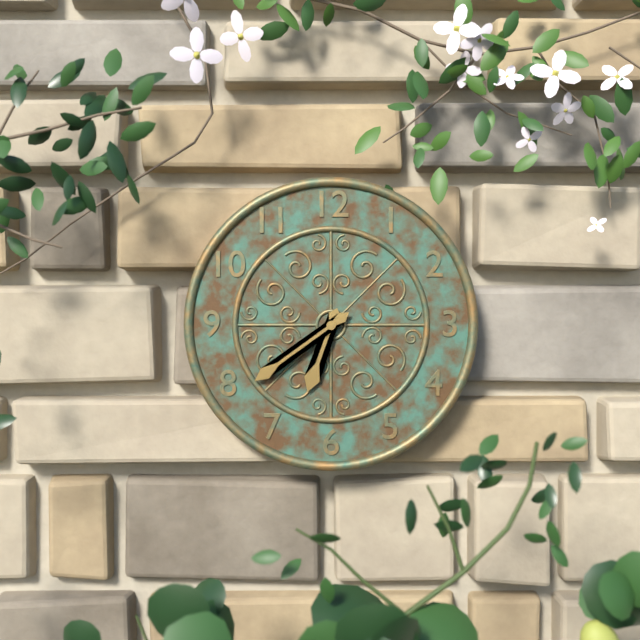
6:39
